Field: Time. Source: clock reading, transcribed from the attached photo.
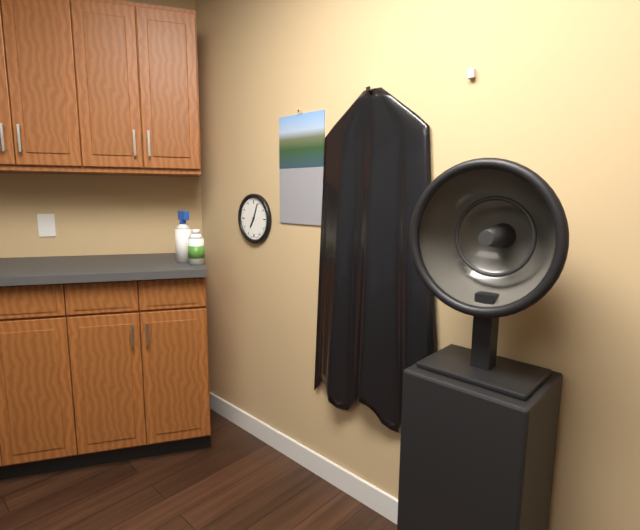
7:04
